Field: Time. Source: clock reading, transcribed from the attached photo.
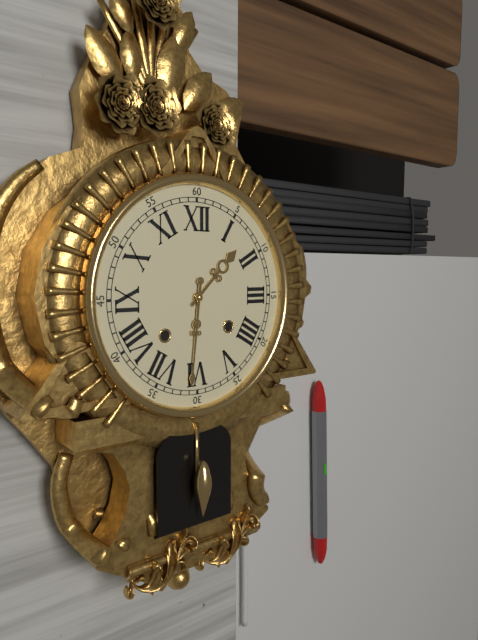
1:31
